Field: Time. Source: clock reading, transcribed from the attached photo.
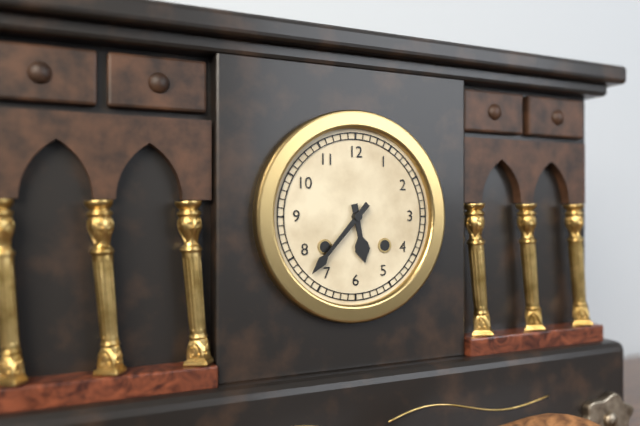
5:37
